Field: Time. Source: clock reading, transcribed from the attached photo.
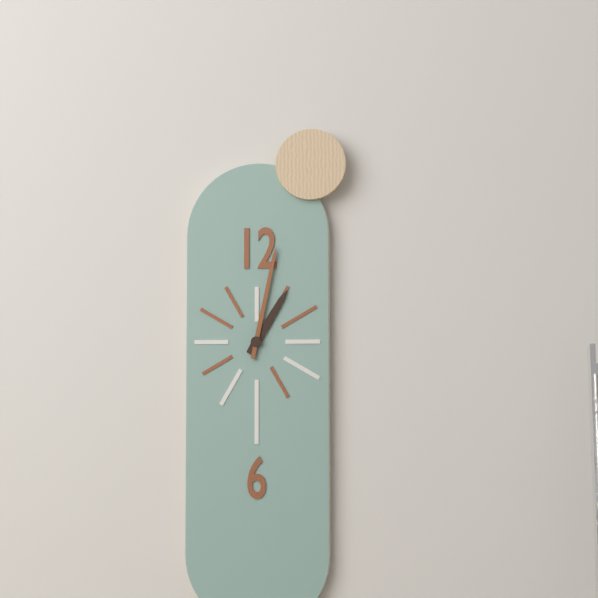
1:02
